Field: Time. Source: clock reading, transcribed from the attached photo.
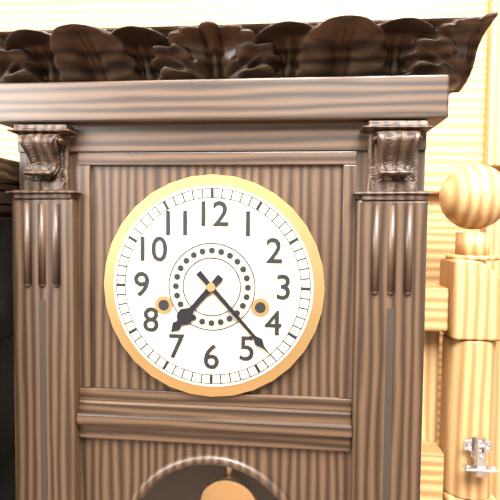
7:23
